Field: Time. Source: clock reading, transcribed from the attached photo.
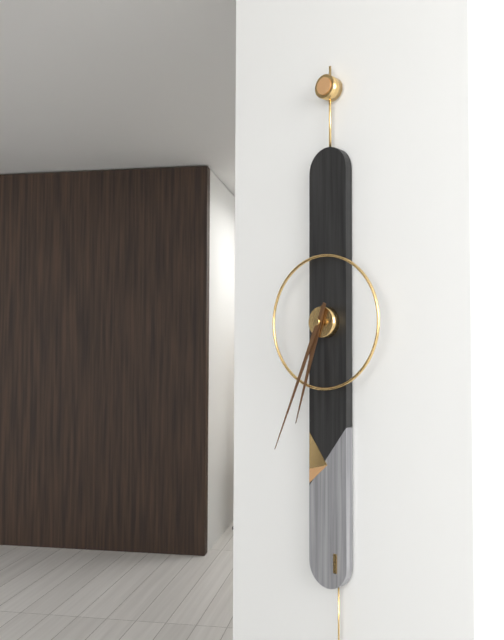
6:34
